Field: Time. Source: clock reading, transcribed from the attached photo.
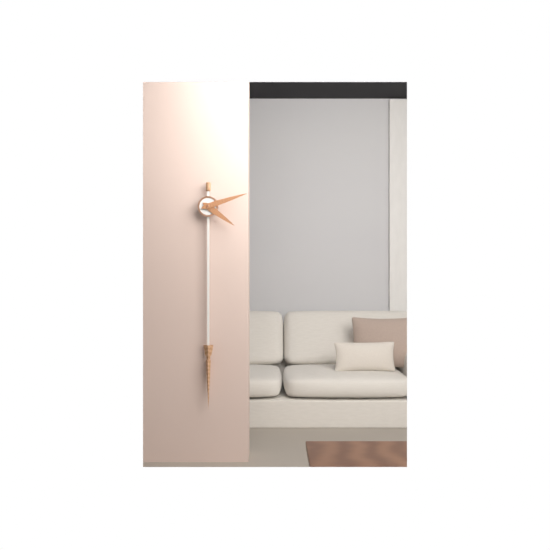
4:12
